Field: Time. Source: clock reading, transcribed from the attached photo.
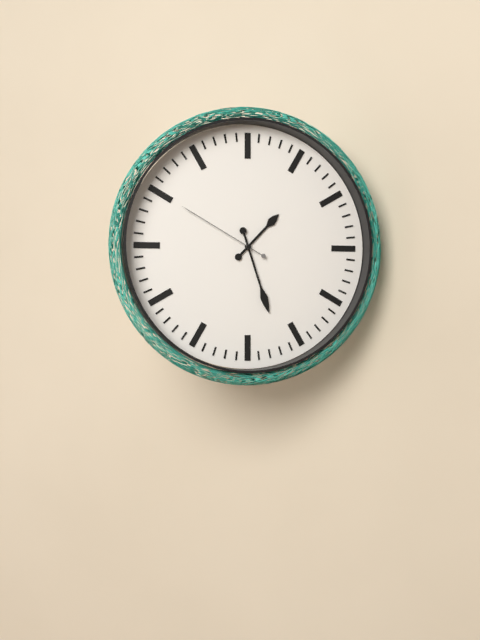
1:27:50
